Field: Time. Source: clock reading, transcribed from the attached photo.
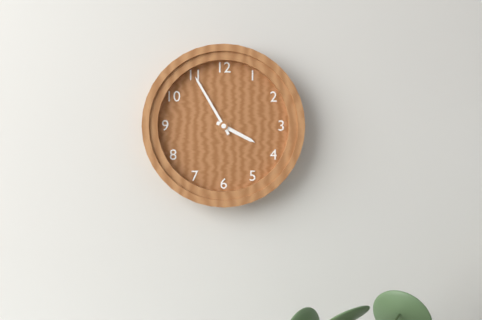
3:55
